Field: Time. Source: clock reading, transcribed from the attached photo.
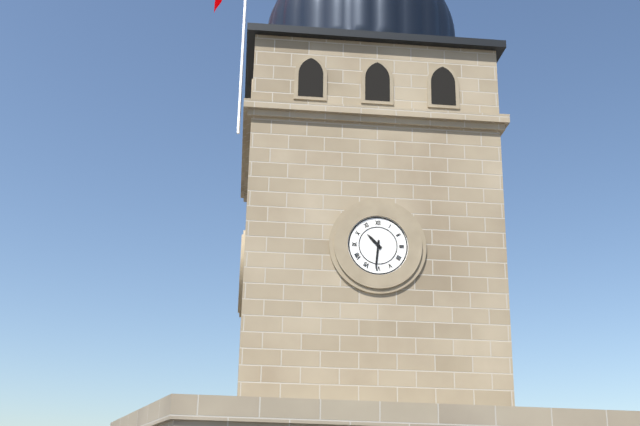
10:31
